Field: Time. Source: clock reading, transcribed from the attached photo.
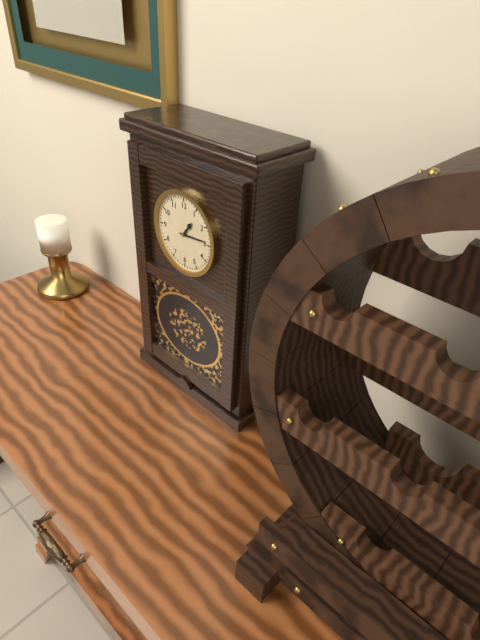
1:14
